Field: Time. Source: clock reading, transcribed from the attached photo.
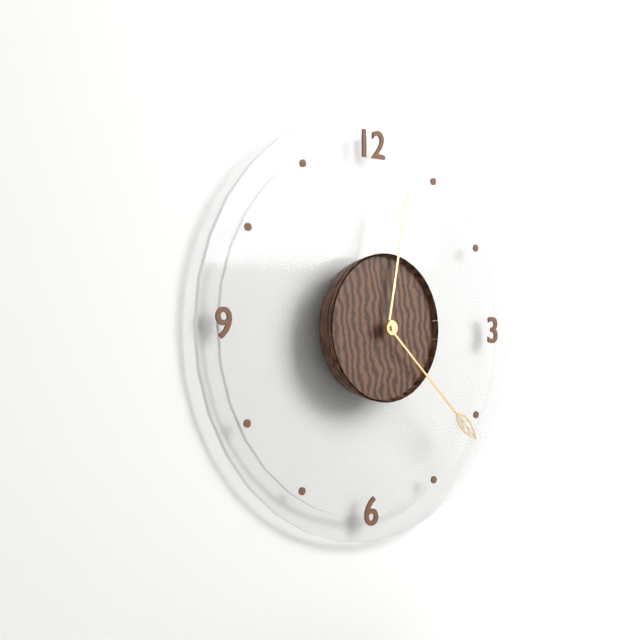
12:22
